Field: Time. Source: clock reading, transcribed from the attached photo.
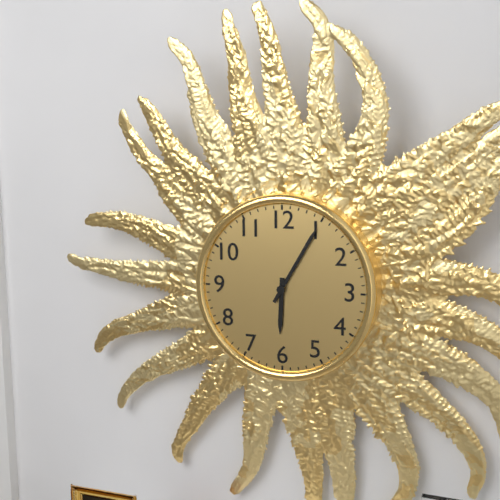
6:05
